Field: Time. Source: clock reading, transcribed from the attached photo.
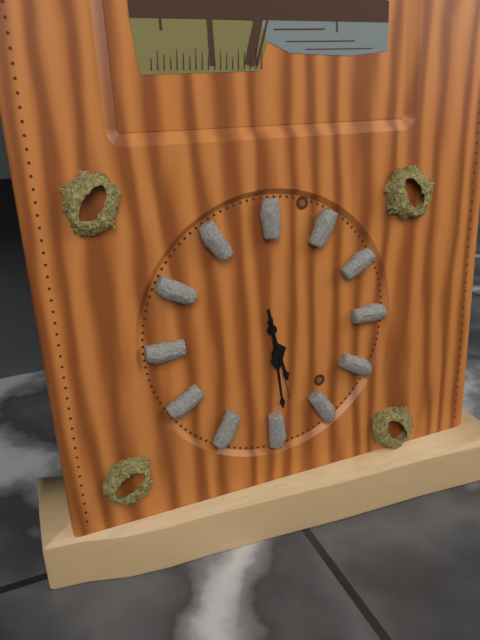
5:29:28
